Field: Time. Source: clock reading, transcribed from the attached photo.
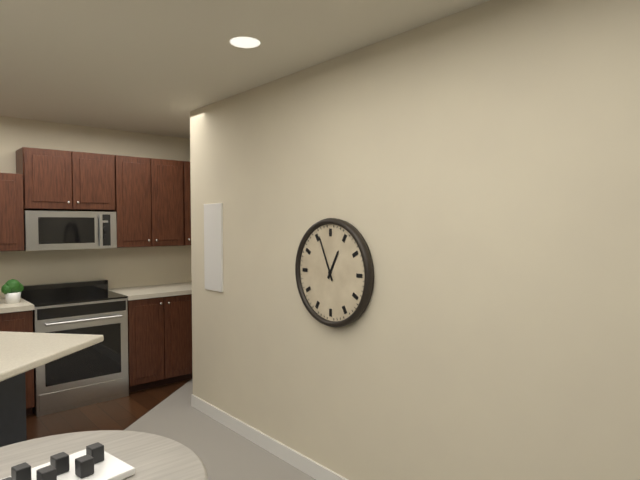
12:56
